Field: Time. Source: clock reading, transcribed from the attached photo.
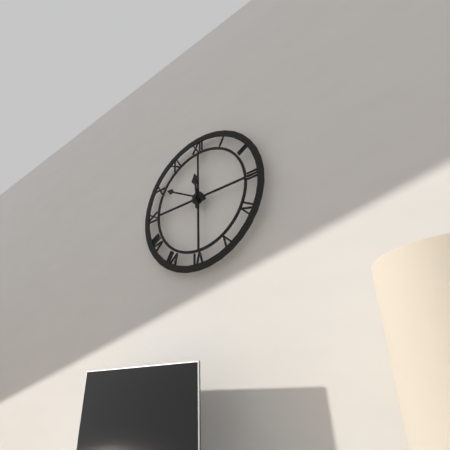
11:50
